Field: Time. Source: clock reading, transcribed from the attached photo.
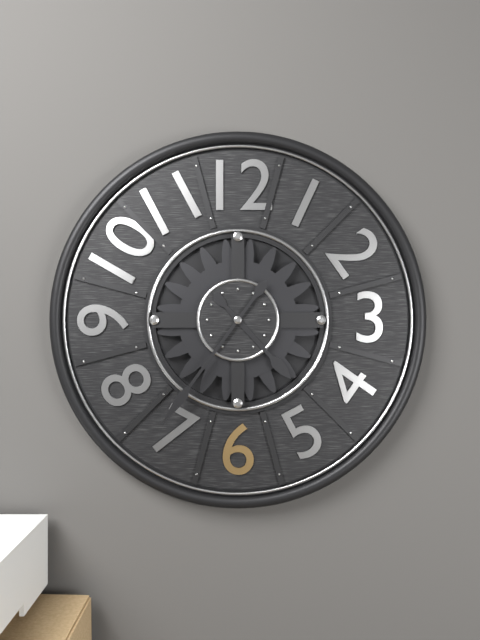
4:36
